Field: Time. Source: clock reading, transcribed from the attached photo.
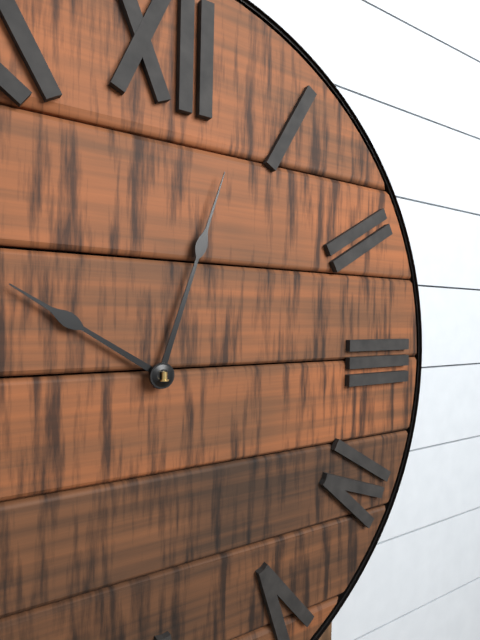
10:03
